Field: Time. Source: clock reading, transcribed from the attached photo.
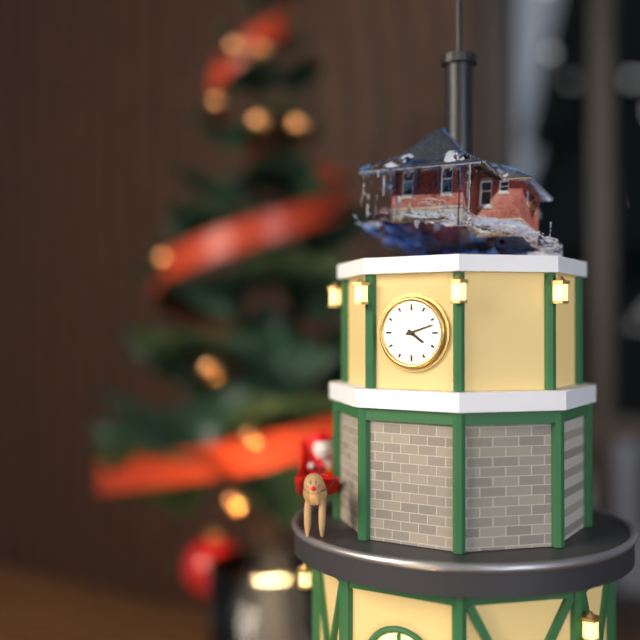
4:12
